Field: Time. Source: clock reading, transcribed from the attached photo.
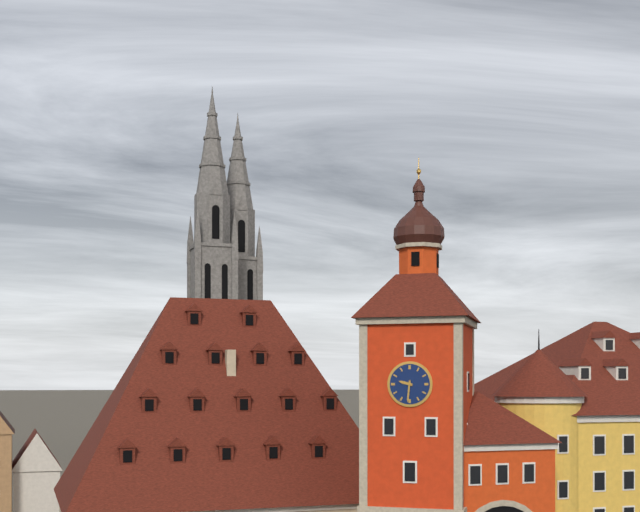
9:31
